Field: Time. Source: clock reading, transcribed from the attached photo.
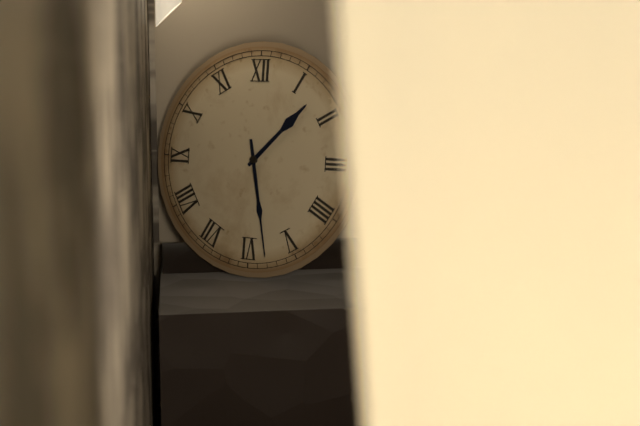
1:28
